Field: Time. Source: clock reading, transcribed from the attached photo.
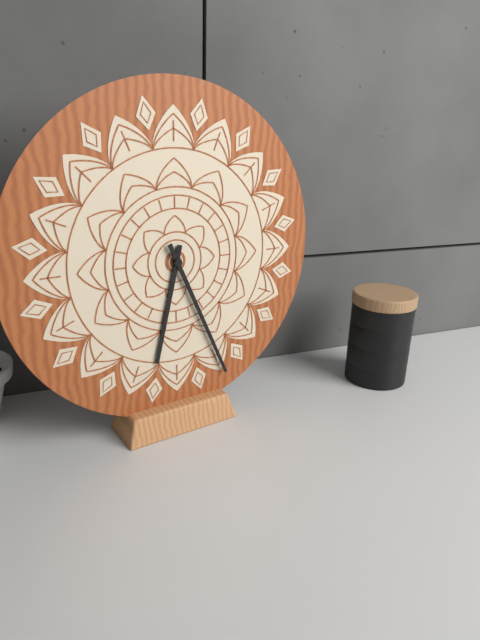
6:26
